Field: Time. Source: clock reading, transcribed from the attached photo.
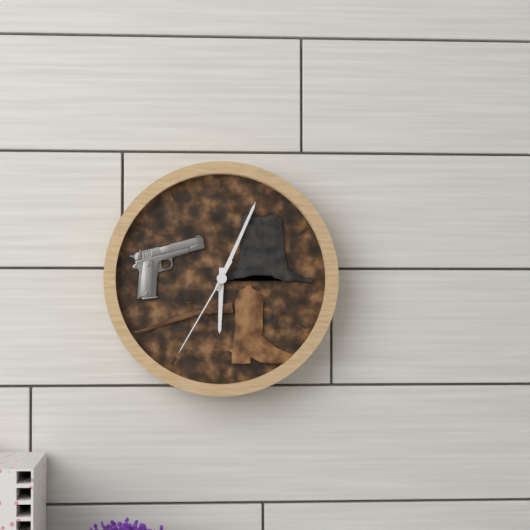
6:04:35
